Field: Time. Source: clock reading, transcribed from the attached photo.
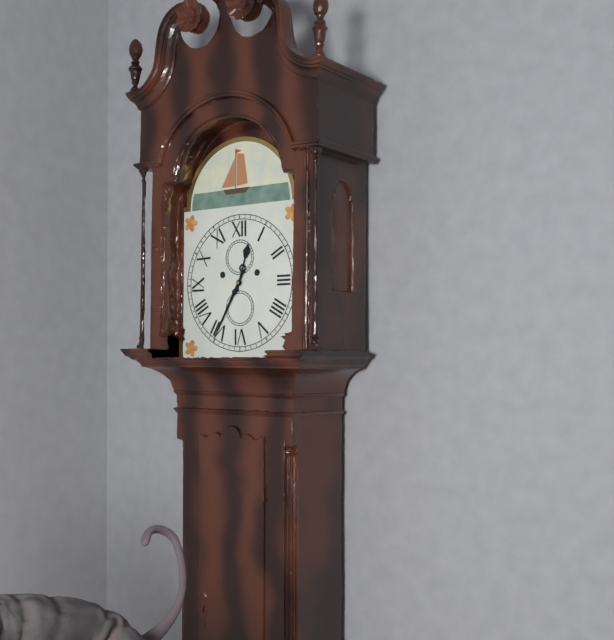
12:35
